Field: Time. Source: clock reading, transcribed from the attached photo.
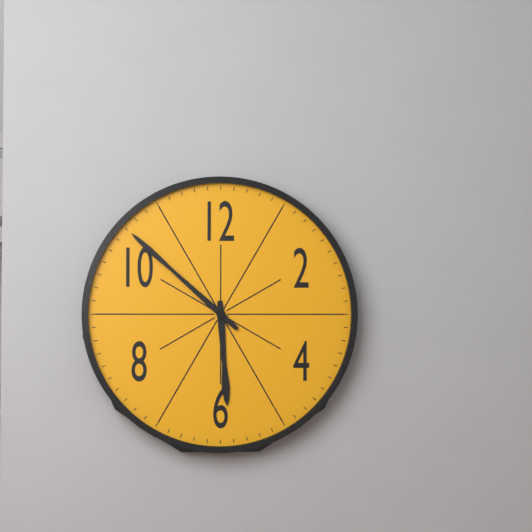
5:52
